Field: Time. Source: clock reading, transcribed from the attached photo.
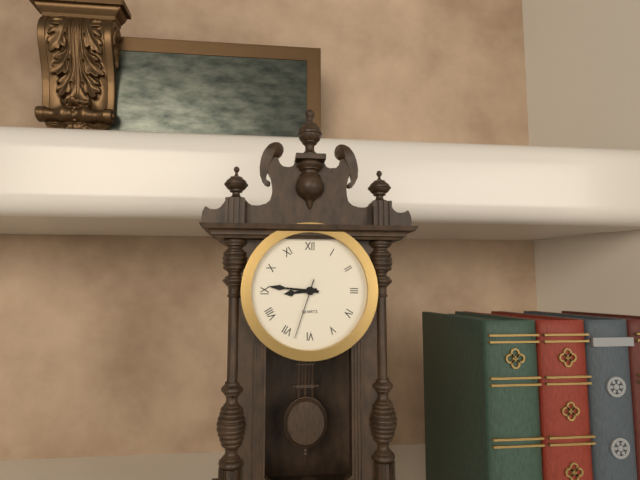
8:46:33
